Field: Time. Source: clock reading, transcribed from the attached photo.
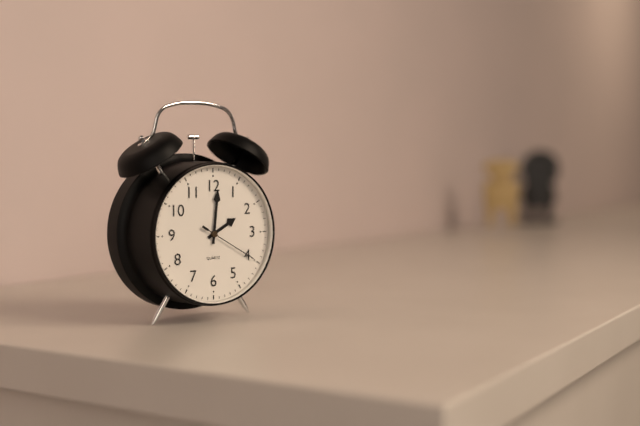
2:01:20
